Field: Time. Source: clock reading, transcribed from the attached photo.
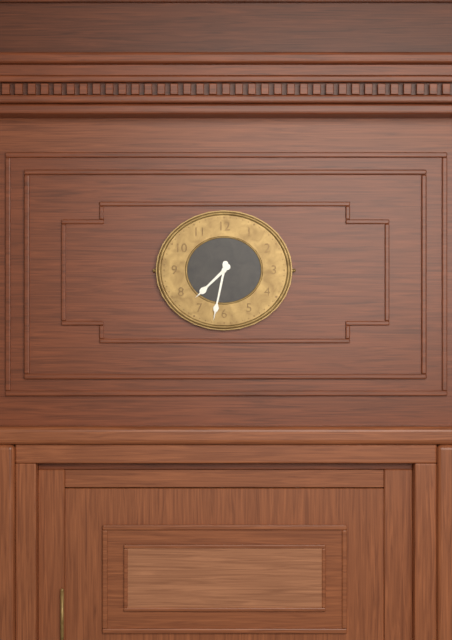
7:32
